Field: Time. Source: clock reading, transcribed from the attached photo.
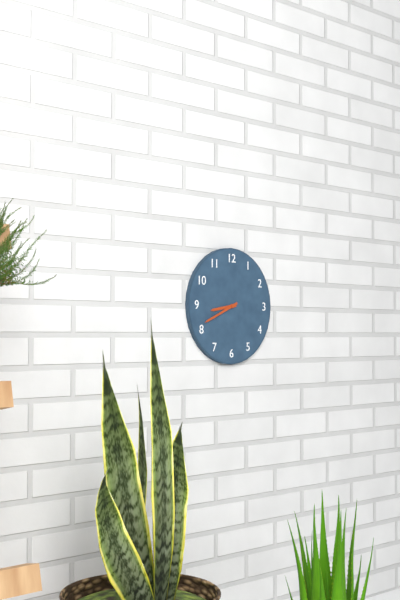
8:41
